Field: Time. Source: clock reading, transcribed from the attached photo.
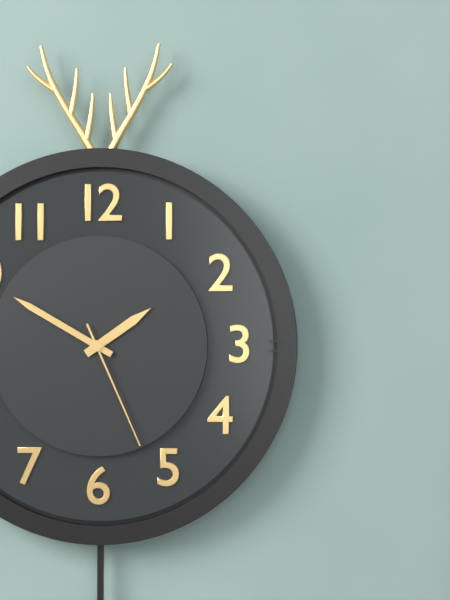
1:50:26
